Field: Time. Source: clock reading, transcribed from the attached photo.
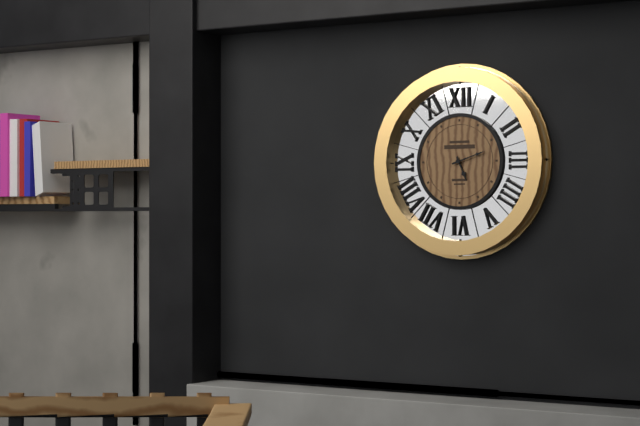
5:12
